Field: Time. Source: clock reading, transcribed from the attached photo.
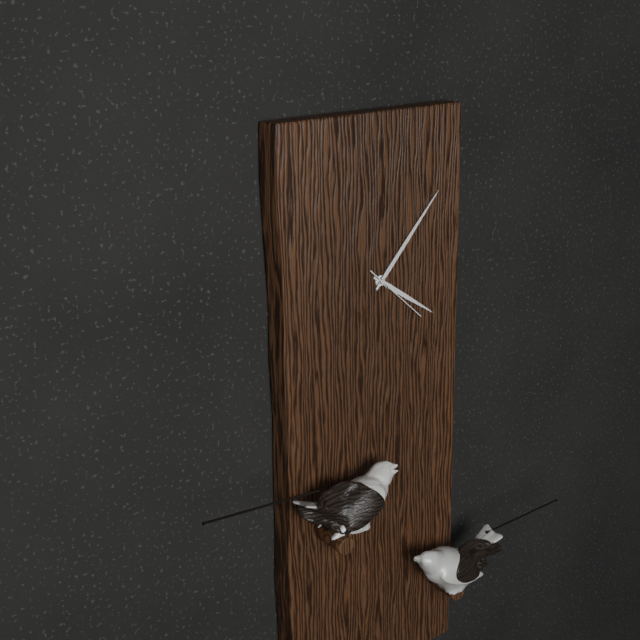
4:07:22
